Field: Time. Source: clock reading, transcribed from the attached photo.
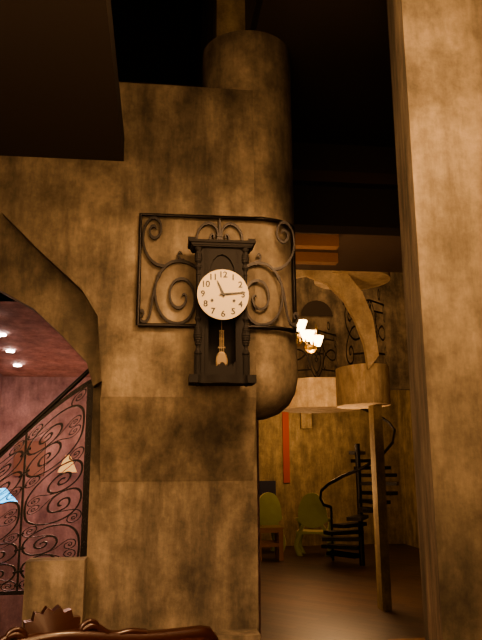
11:14
